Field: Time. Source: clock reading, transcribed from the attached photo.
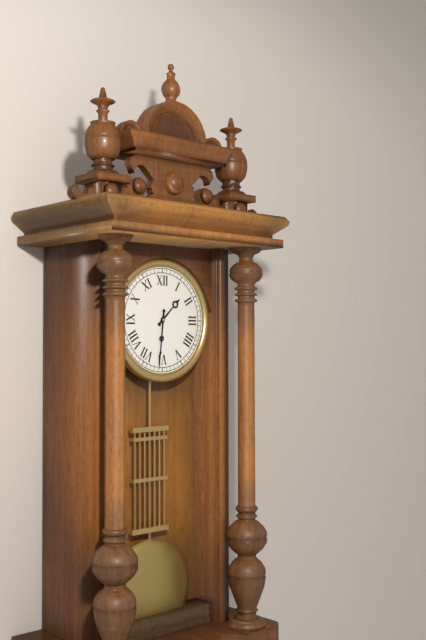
1:31
